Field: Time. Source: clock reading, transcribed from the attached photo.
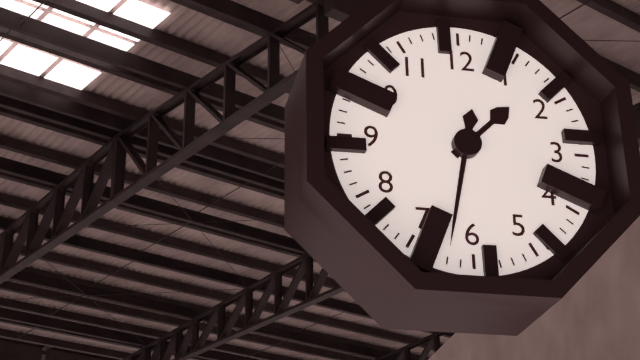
1:32
